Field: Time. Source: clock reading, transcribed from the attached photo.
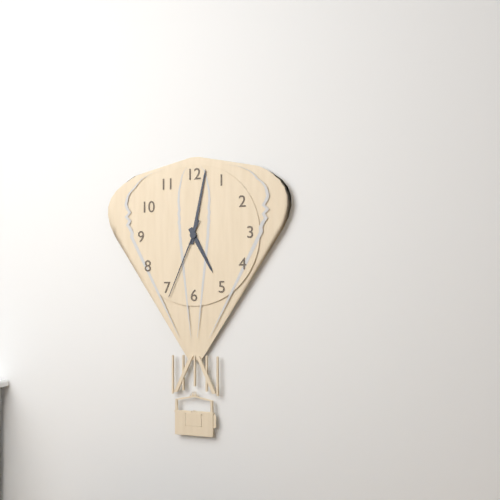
5:02:34
